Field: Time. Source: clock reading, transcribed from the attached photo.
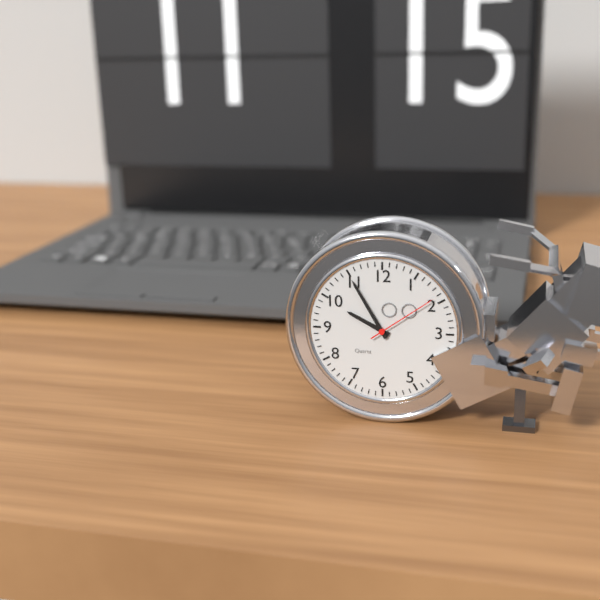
9:55:09
